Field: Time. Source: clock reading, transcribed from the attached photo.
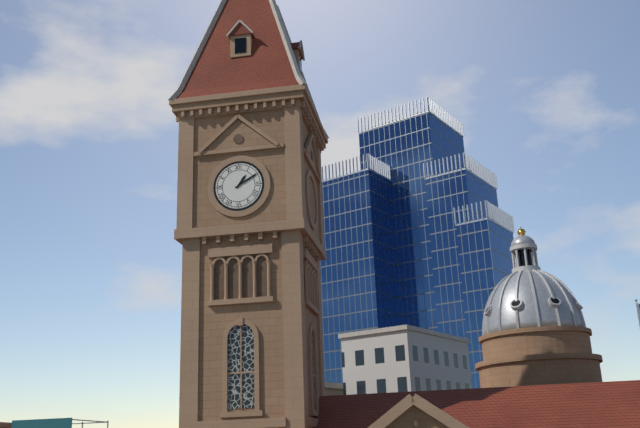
1:10
